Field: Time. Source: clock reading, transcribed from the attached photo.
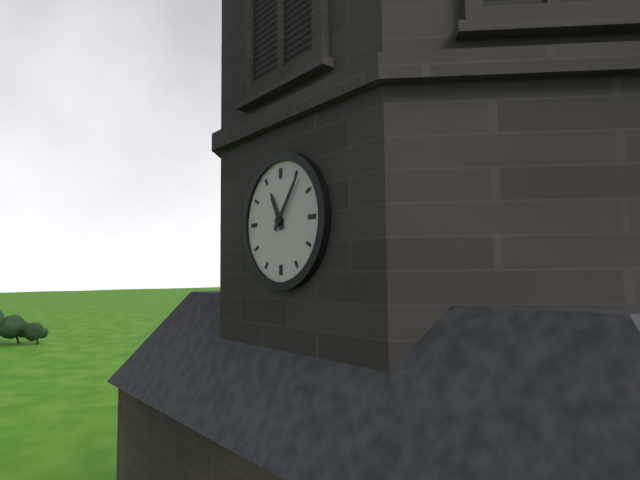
11:06
